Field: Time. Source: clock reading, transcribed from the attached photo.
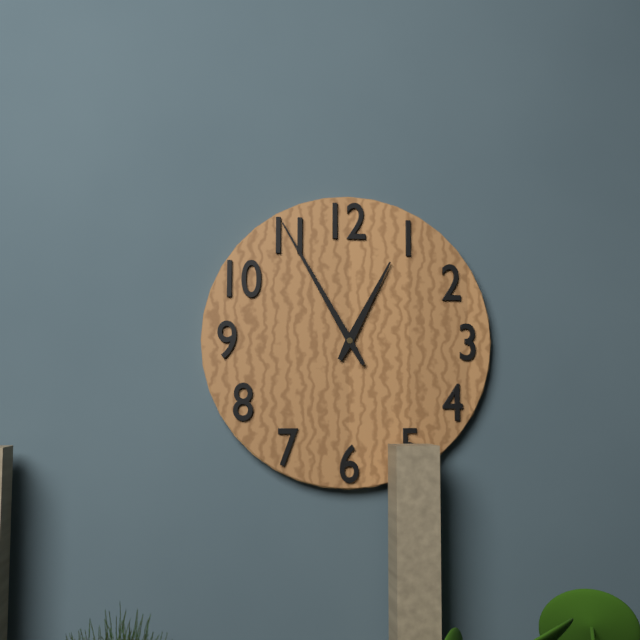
12:55
